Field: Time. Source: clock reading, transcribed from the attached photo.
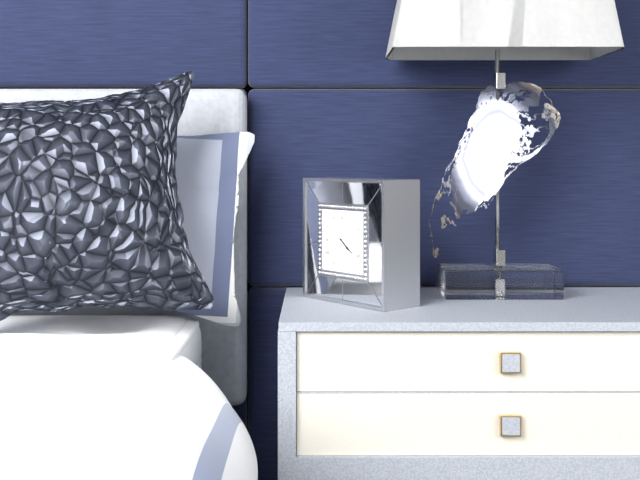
4:21
